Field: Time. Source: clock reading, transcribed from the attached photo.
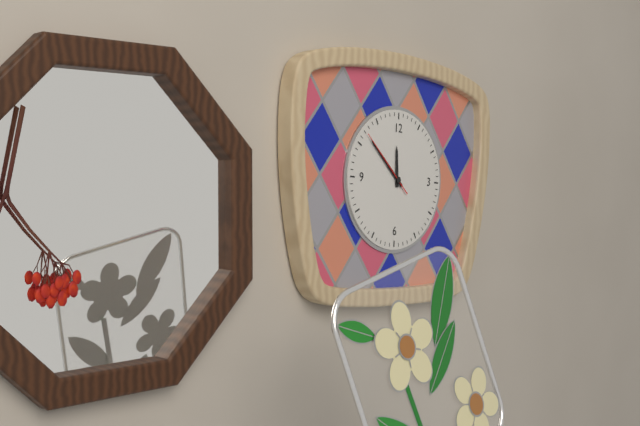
11:52:52
